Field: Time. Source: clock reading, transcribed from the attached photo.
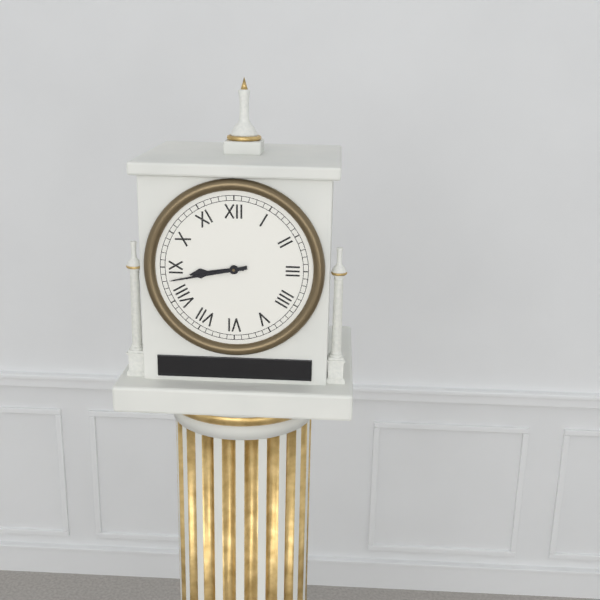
8:43
